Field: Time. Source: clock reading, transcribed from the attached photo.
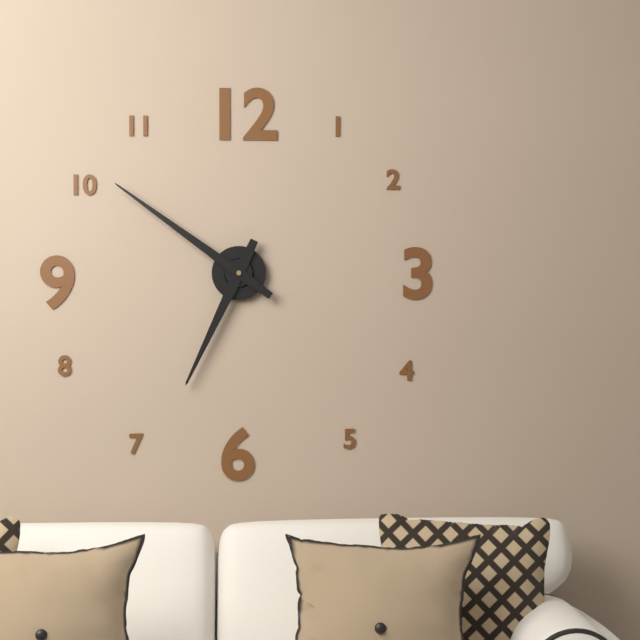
6:51
